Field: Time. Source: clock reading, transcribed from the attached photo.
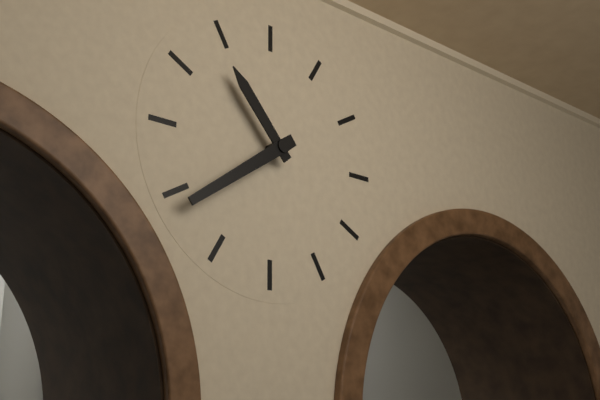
10:39
